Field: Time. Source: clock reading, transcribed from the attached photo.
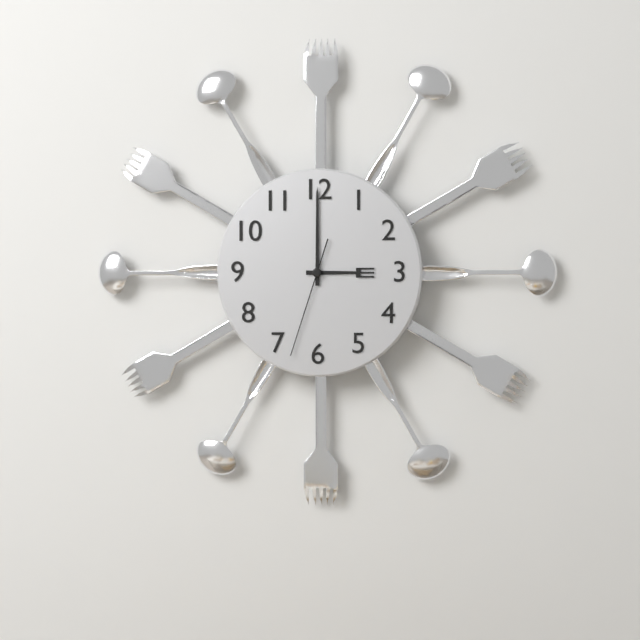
3:00:33
